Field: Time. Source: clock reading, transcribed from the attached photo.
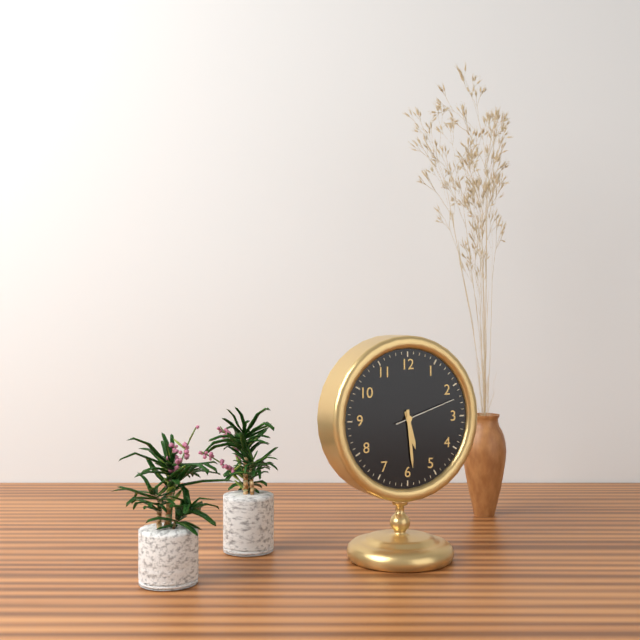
5:29:12
